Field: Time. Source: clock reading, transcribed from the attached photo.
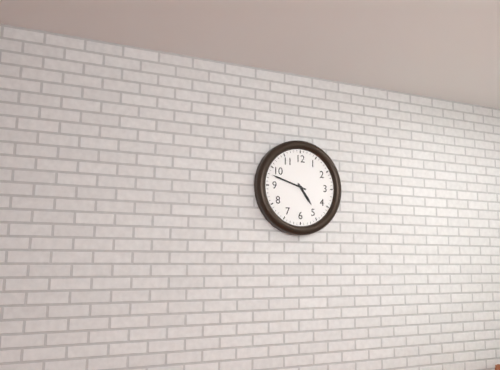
4:48
